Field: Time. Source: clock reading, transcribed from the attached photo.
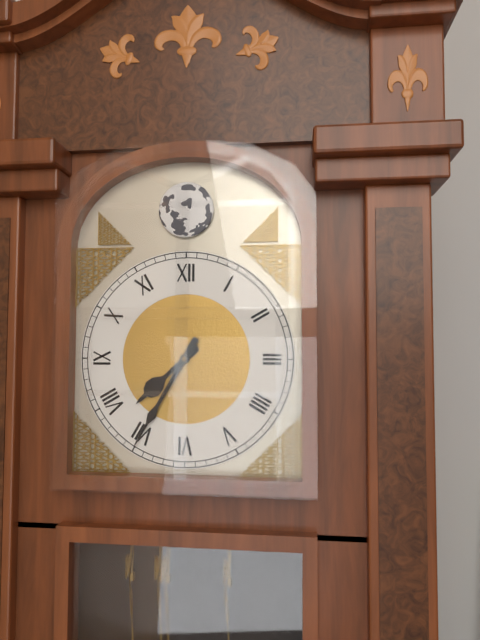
7:35
